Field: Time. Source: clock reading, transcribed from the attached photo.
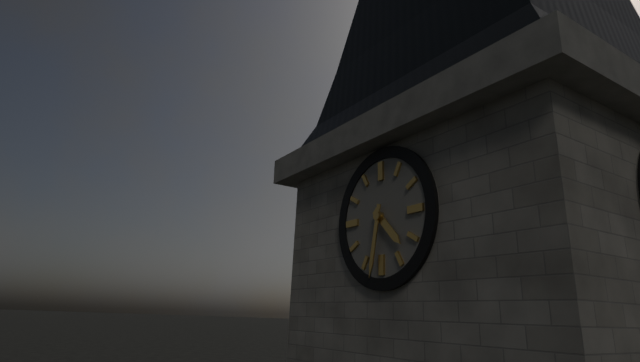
4:32
